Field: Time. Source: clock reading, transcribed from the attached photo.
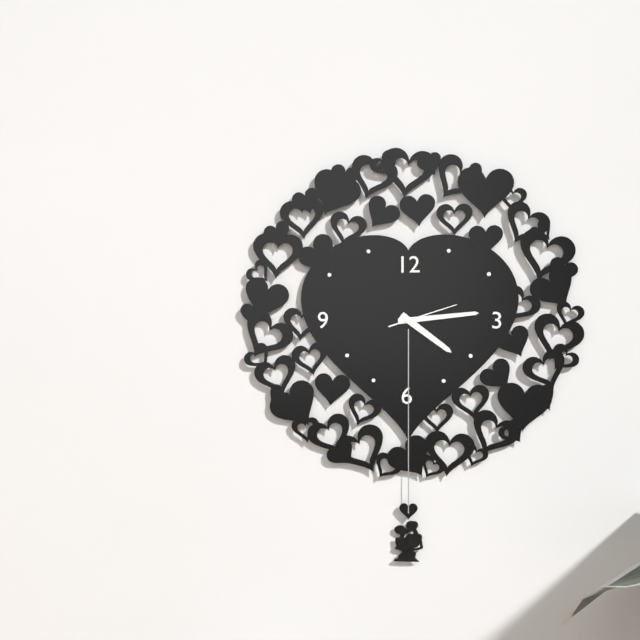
4:14:12
